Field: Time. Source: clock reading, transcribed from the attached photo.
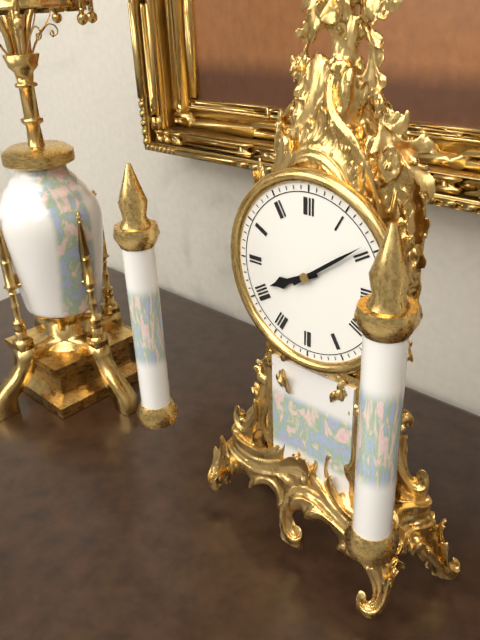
8:09
